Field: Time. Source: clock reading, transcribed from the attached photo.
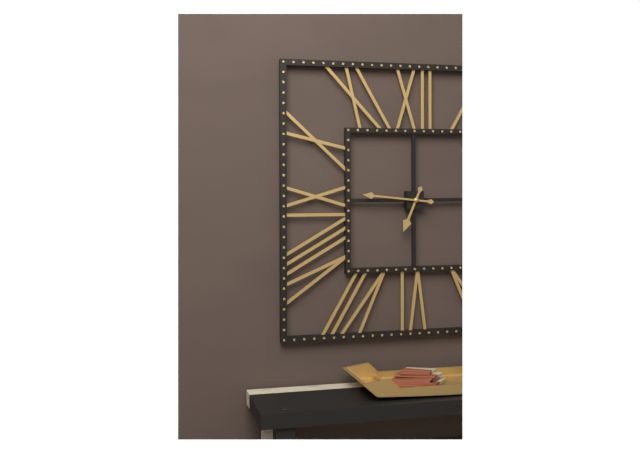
6:46
